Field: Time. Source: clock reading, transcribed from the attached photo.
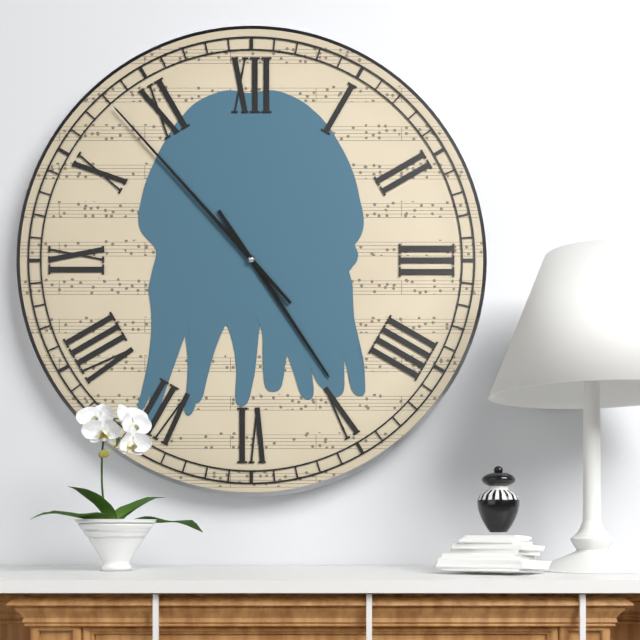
4:53
